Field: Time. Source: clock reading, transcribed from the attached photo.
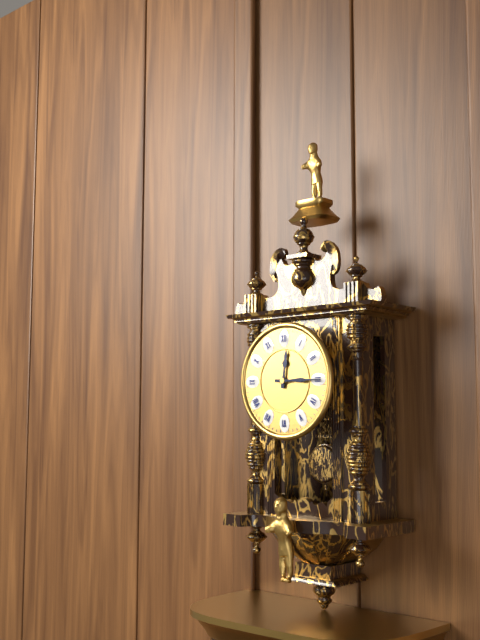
12:15
